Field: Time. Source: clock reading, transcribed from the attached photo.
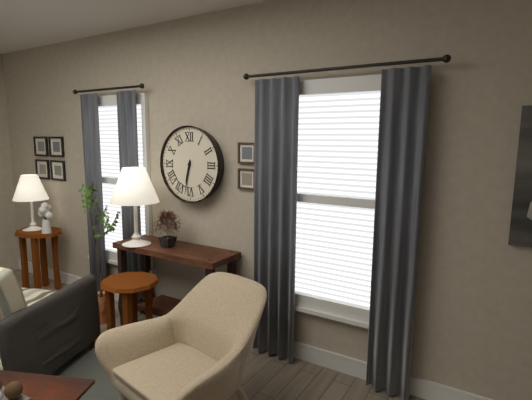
6:32
